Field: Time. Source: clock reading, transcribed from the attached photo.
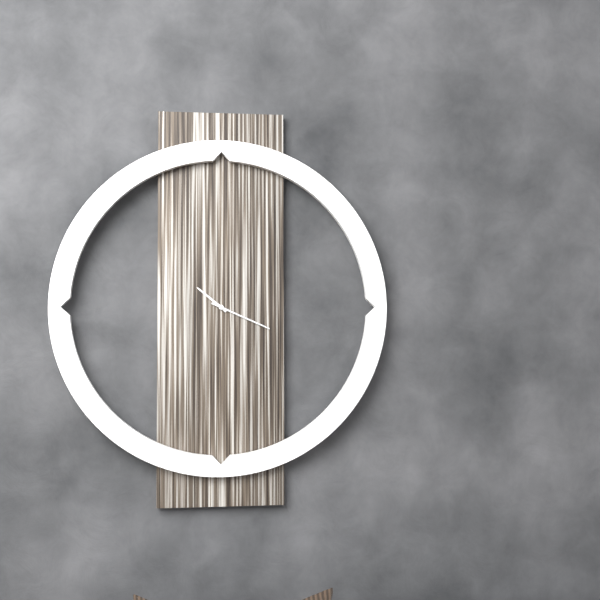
10:19
